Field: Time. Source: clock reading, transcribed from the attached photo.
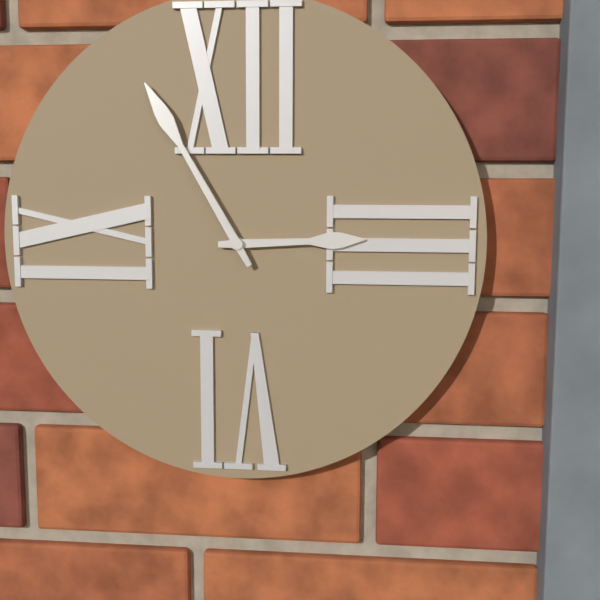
2:55
